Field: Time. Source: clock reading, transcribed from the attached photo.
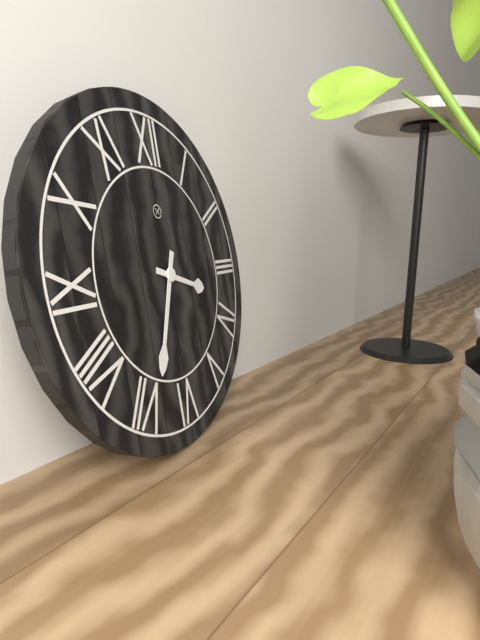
3:34
